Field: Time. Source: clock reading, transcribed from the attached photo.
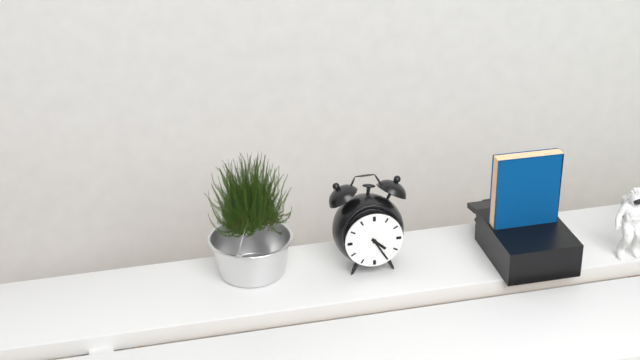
4:25
